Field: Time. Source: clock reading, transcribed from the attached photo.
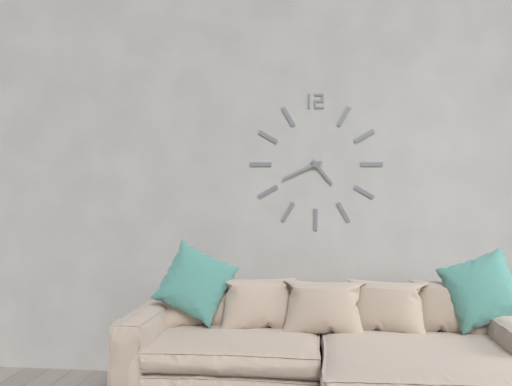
4:41
